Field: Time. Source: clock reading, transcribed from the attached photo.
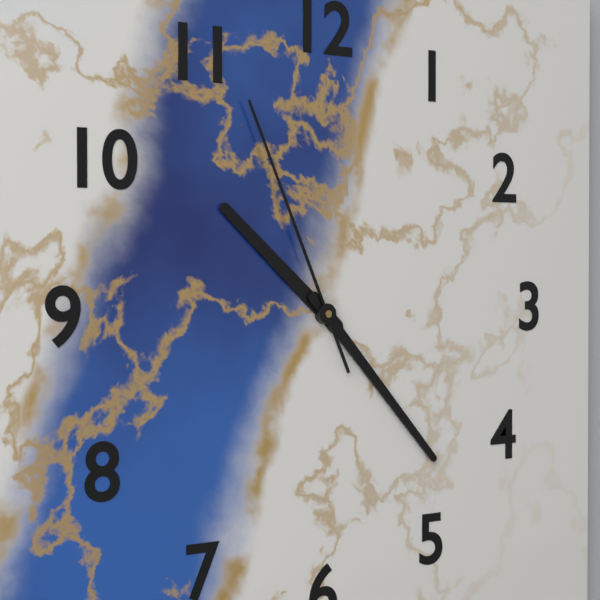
10:23:56
